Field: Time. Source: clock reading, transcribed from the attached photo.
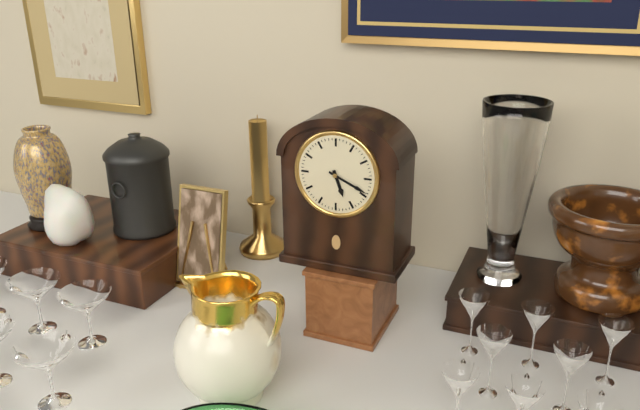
5:19
